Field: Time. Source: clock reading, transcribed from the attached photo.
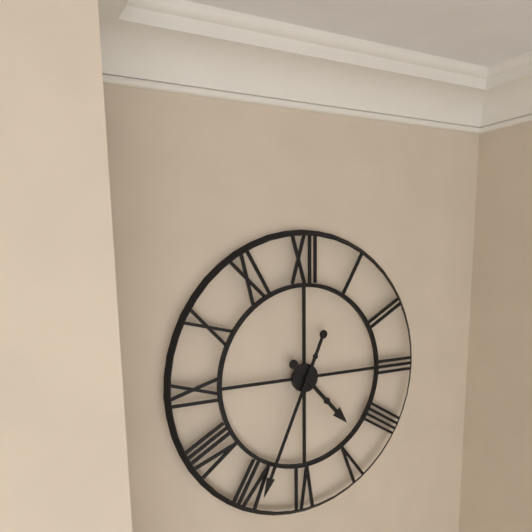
4:34
